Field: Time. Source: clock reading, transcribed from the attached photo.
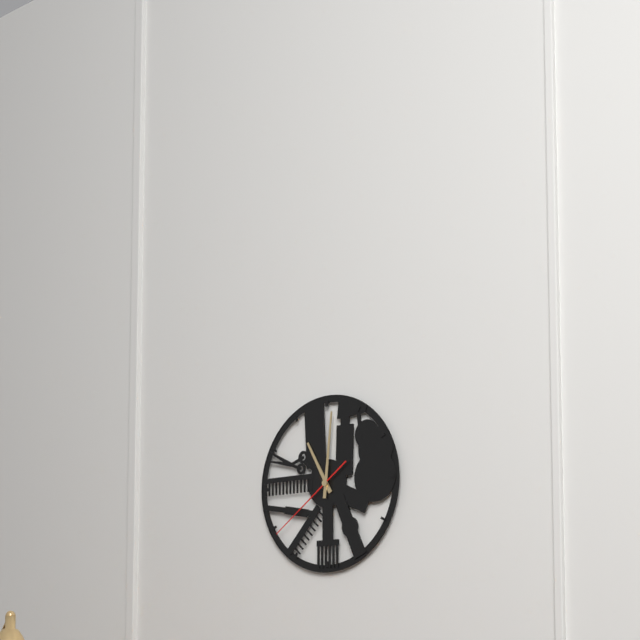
11:01:39
